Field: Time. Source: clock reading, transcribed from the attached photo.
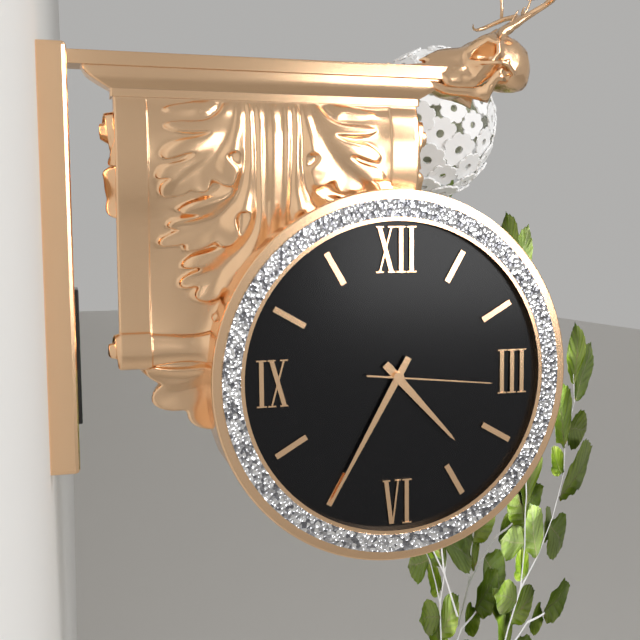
4:35:16
